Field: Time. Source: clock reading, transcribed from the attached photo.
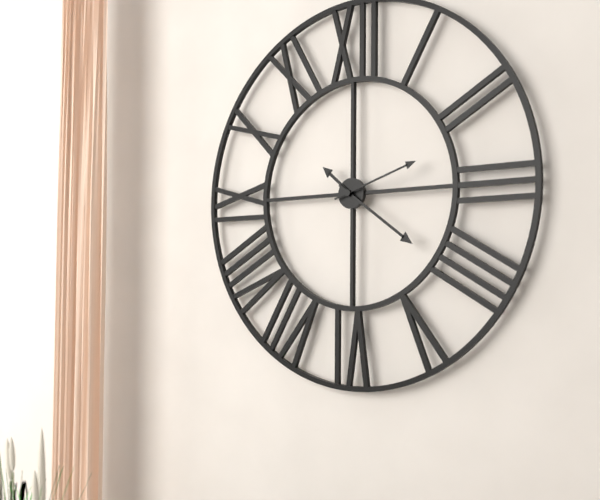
10:21:12
